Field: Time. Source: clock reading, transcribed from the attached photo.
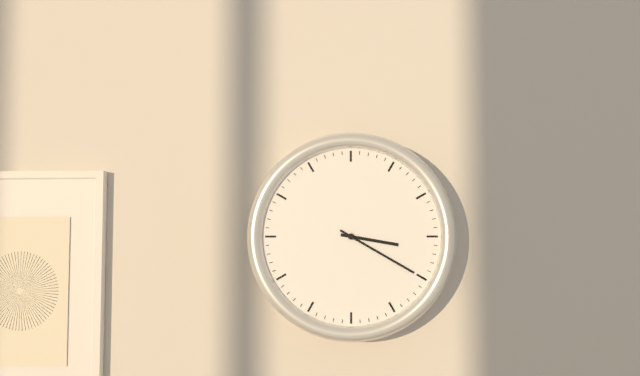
3:20
